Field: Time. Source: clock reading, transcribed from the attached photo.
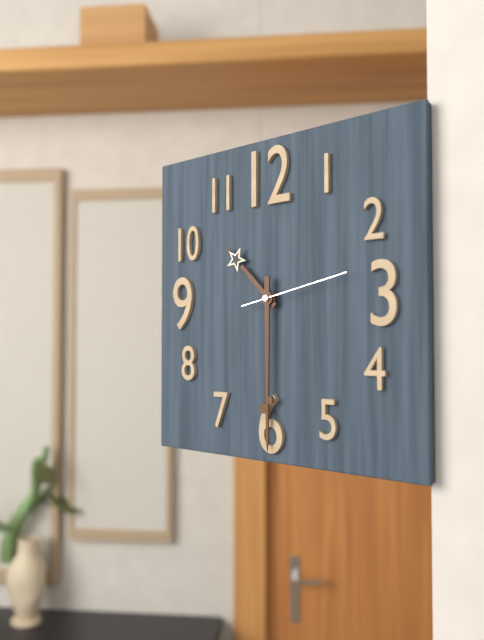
10:30:13
